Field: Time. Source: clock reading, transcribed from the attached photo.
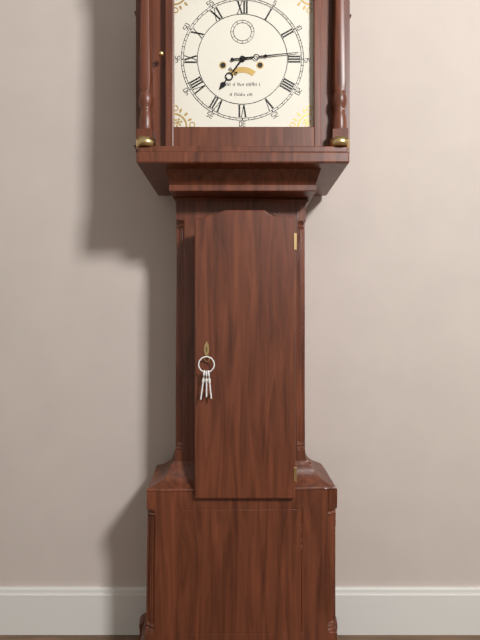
7:14
